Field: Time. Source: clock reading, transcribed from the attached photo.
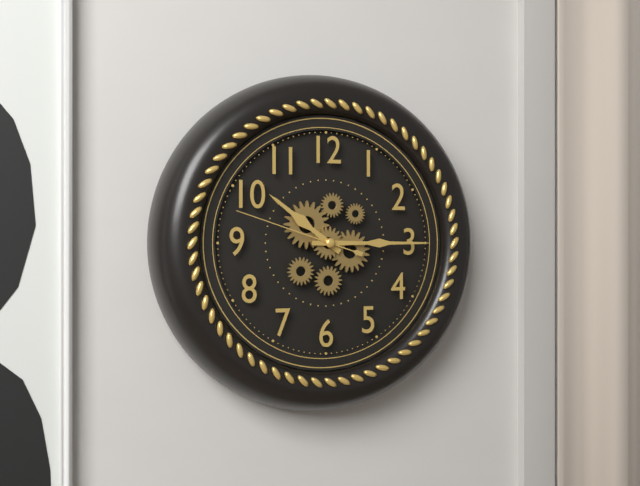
10:15:48
